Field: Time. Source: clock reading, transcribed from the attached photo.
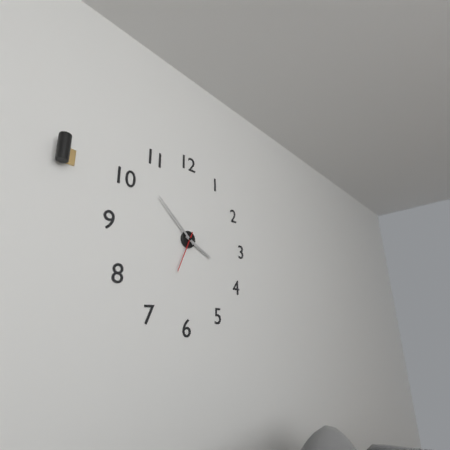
3:52
